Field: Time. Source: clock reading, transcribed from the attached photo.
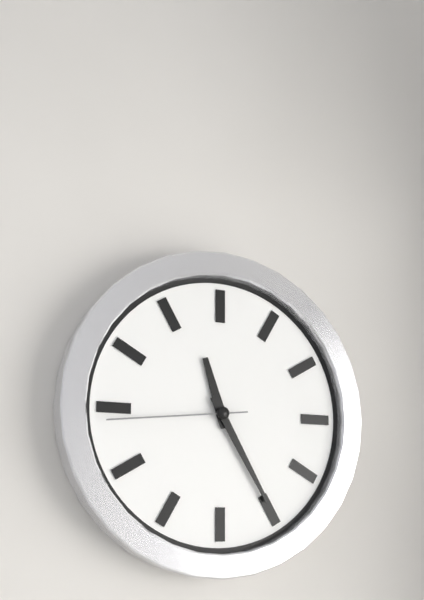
11:25:44
